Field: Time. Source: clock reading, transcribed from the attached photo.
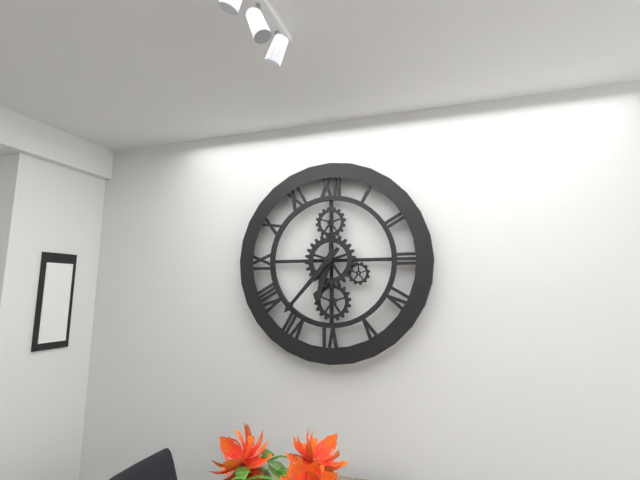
6:37
